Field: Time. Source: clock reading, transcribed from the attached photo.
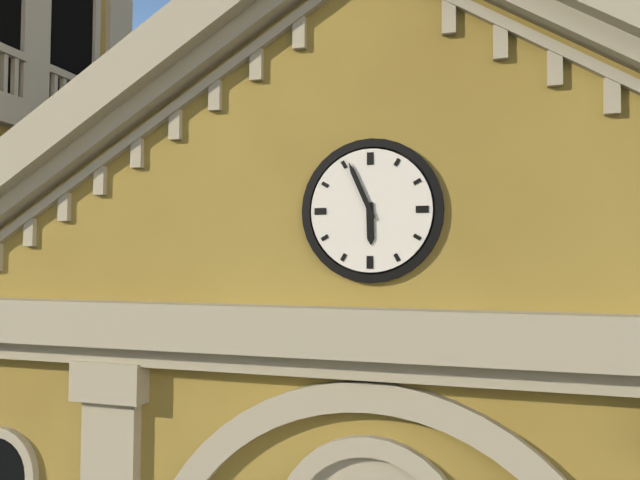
5:56
